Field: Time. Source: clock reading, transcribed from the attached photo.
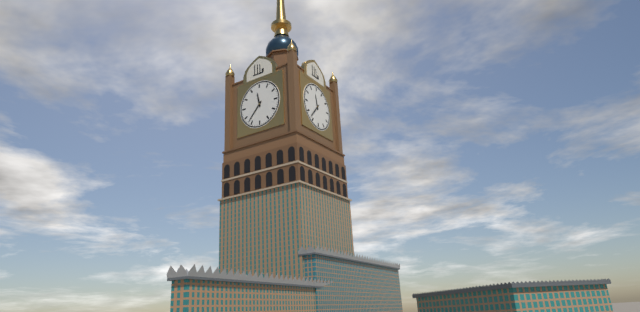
11:37
